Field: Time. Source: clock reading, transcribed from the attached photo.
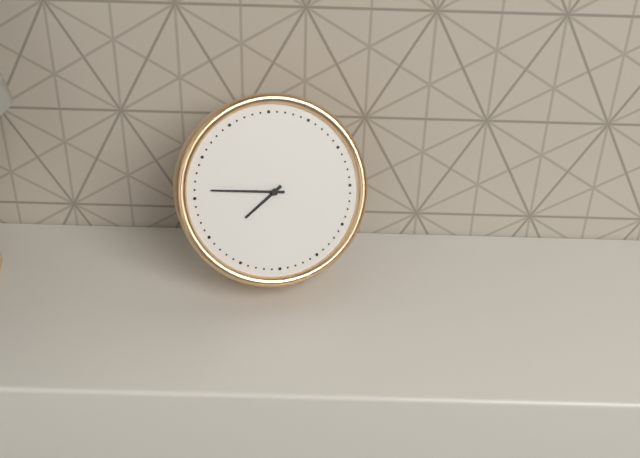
7:46
